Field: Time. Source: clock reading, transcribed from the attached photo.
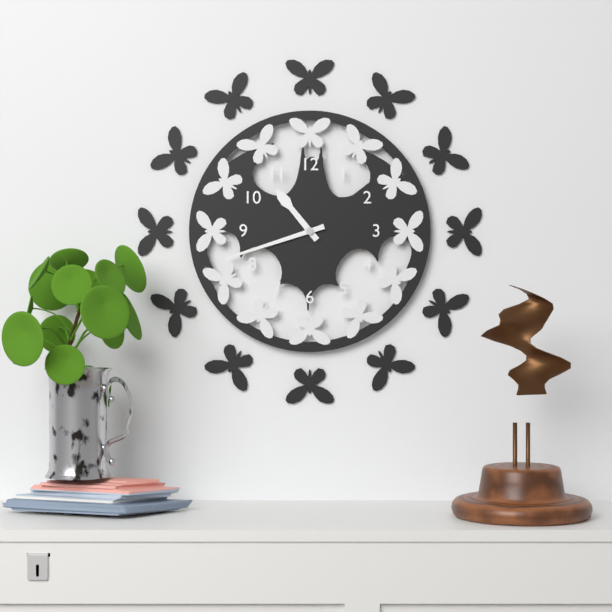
10:42
